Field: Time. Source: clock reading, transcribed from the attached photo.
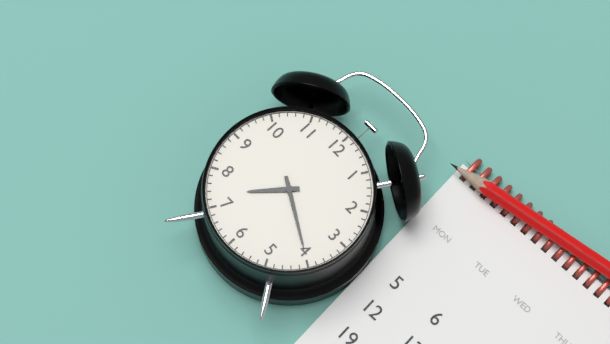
7:20
